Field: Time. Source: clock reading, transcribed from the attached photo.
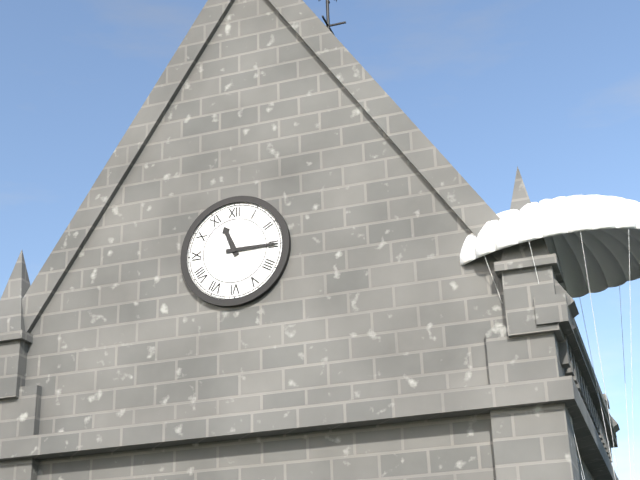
11:15
